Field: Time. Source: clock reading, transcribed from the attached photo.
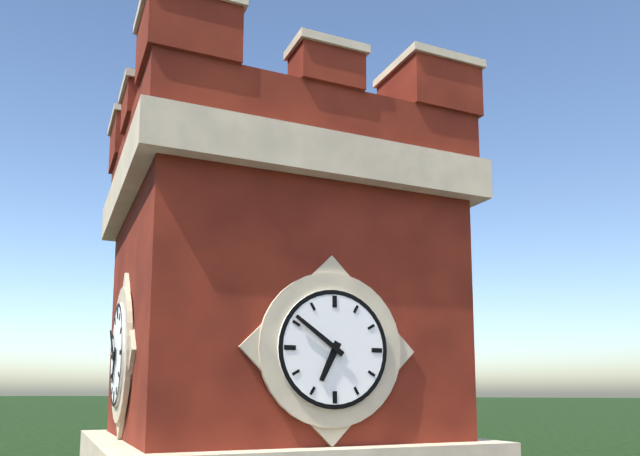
6:51
